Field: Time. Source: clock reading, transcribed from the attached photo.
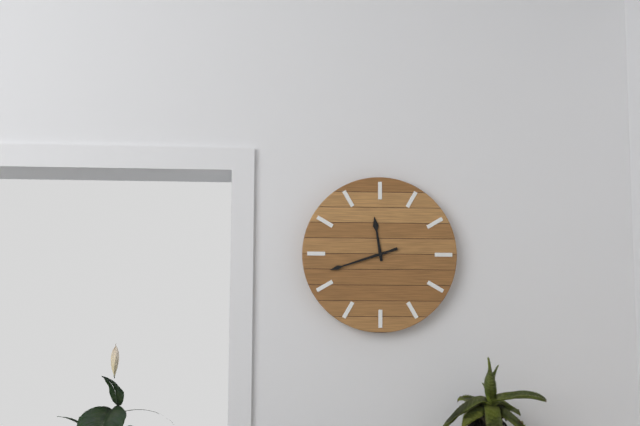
11:42
